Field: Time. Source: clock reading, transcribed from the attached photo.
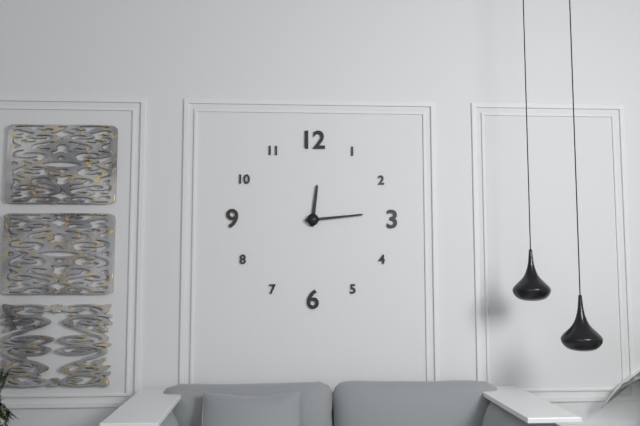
12:14
